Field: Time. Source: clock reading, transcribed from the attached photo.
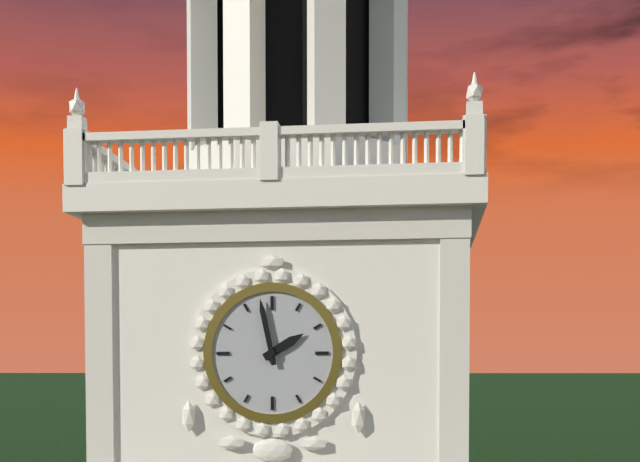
1:58
